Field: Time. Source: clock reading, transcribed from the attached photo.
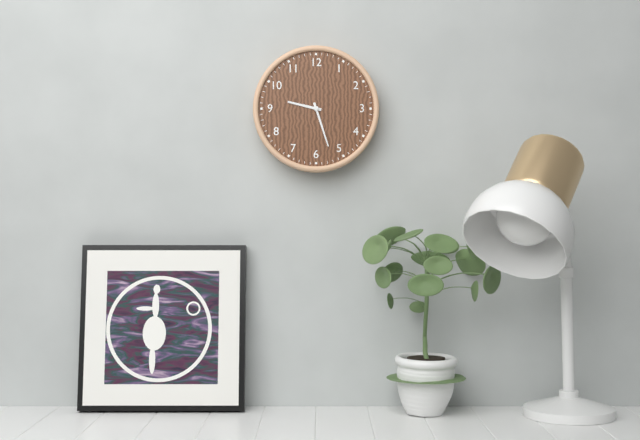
9:27
